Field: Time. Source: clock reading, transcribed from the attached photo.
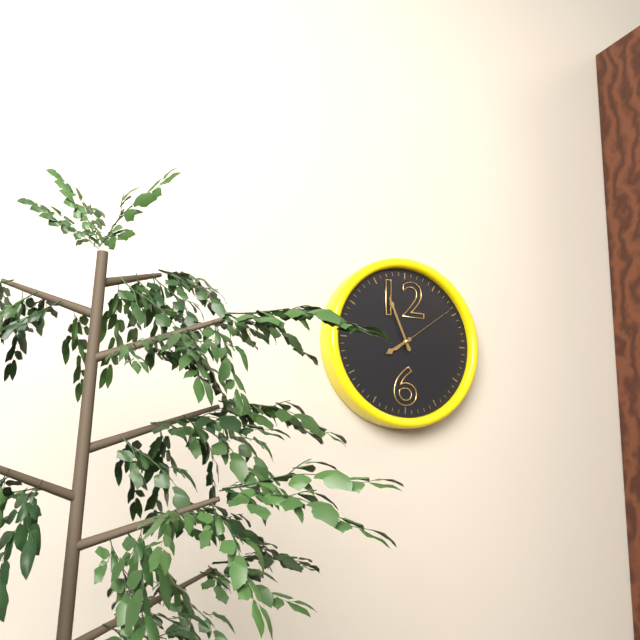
7:56:09
